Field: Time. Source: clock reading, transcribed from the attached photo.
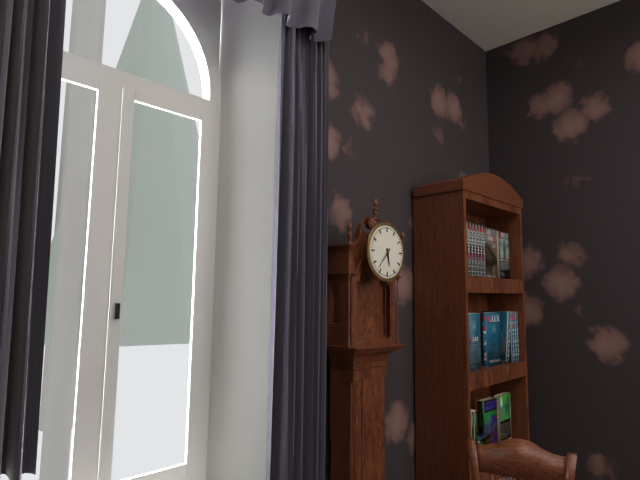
5:37
